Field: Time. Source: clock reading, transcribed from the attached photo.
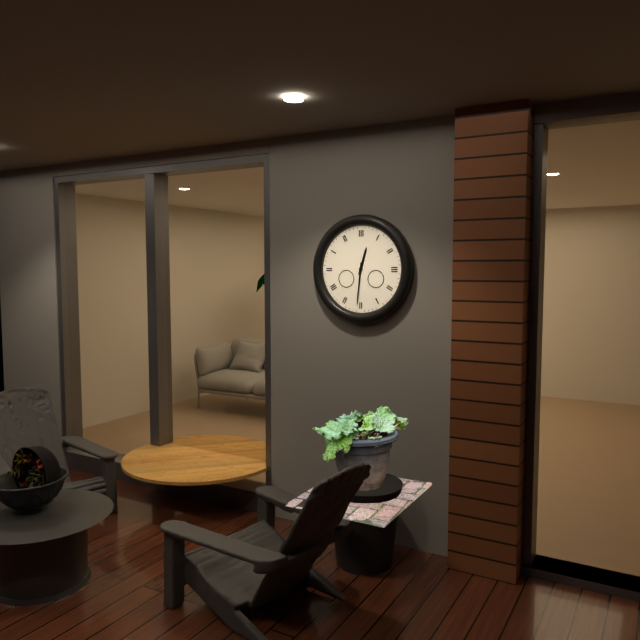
12:31
